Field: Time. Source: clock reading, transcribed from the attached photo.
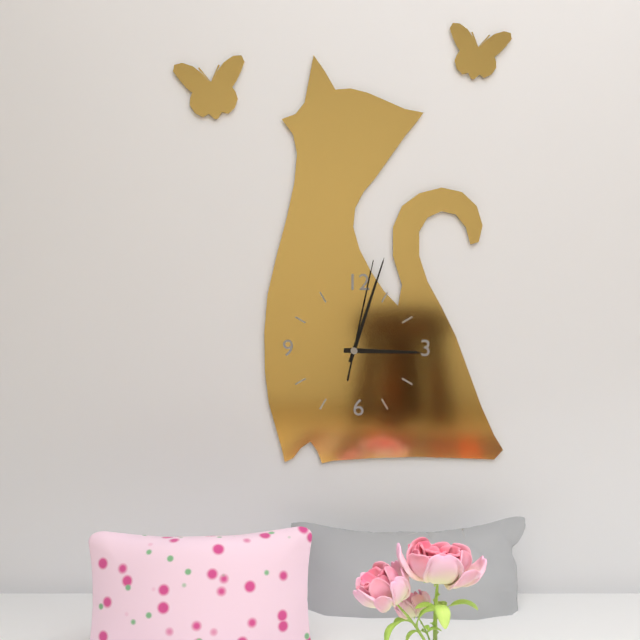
3:03:02
